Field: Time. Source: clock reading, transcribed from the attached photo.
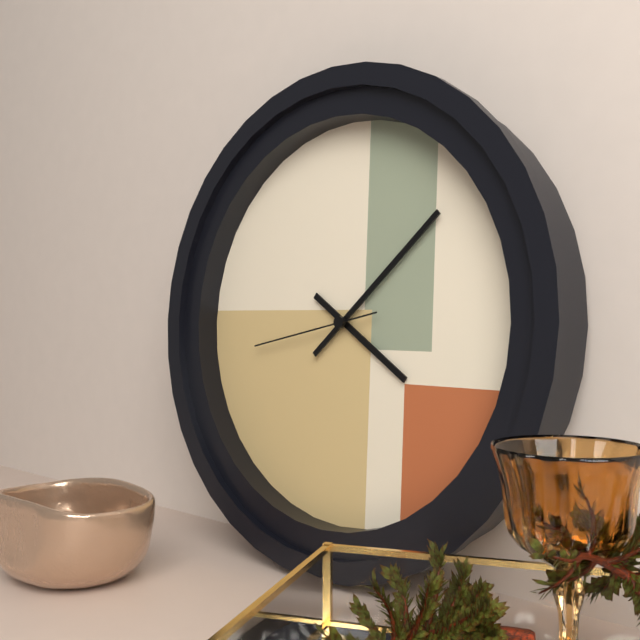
4:08:43
